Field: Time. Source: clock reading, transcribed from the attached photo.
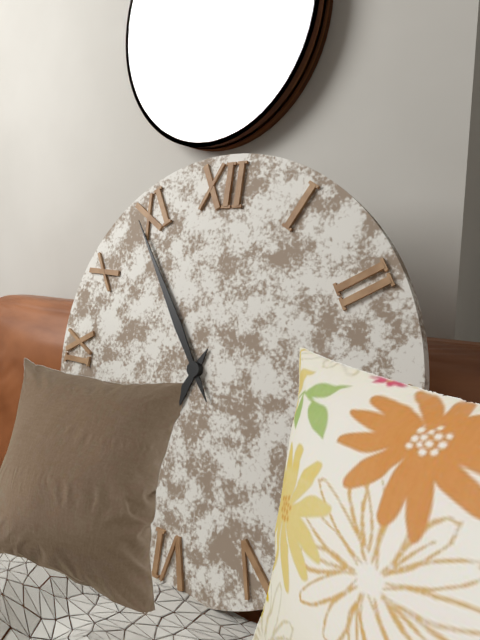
6:54
